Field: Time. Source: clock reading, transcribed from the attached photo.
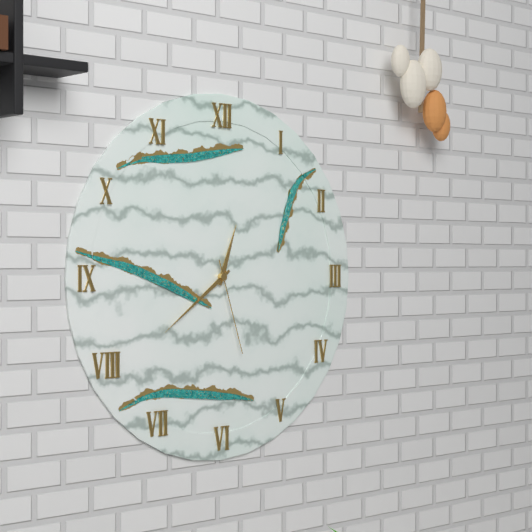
12:39:27
